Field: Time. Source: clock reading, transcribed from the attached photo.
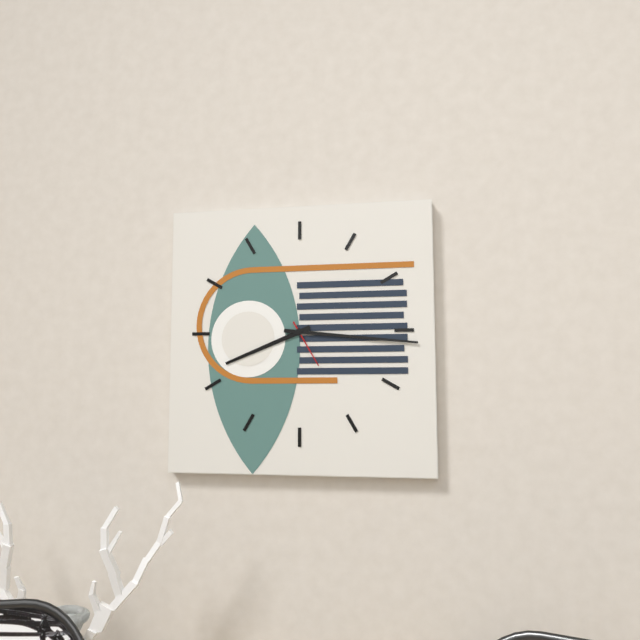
8:16
